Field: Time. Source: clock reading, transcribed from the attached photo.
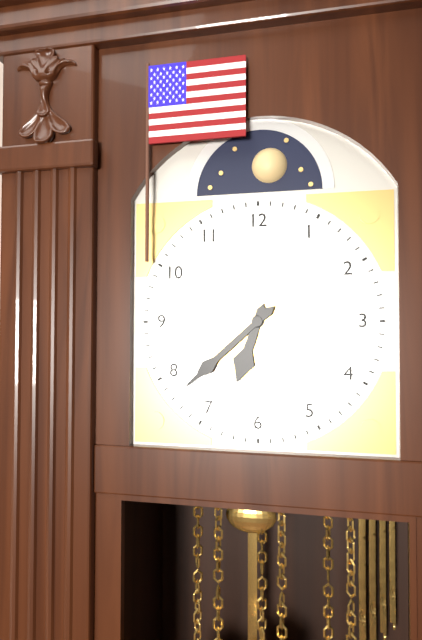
6:38
